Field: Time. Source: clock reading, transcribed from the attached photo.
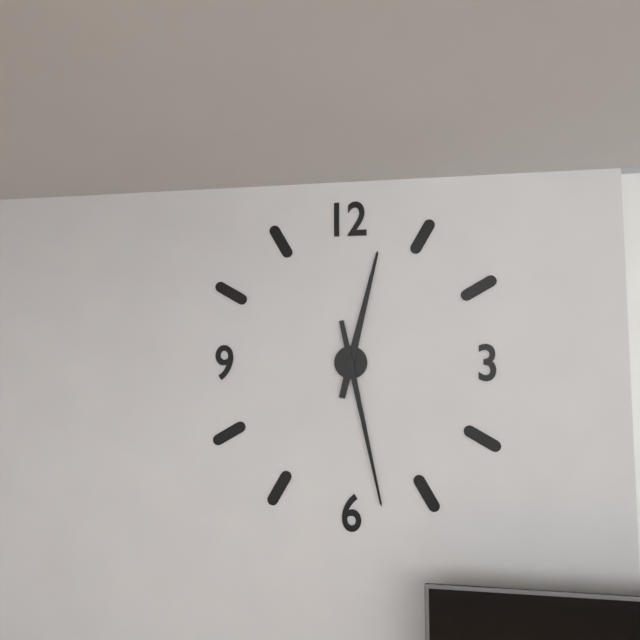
12:28
